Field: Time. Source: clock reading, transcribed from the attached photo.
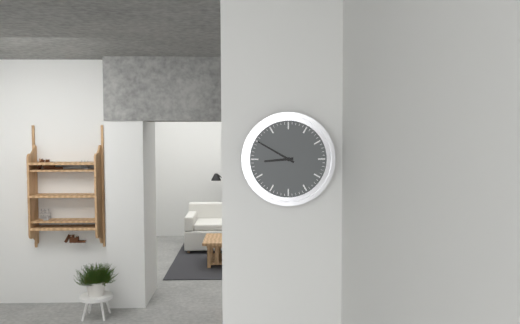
8:50
